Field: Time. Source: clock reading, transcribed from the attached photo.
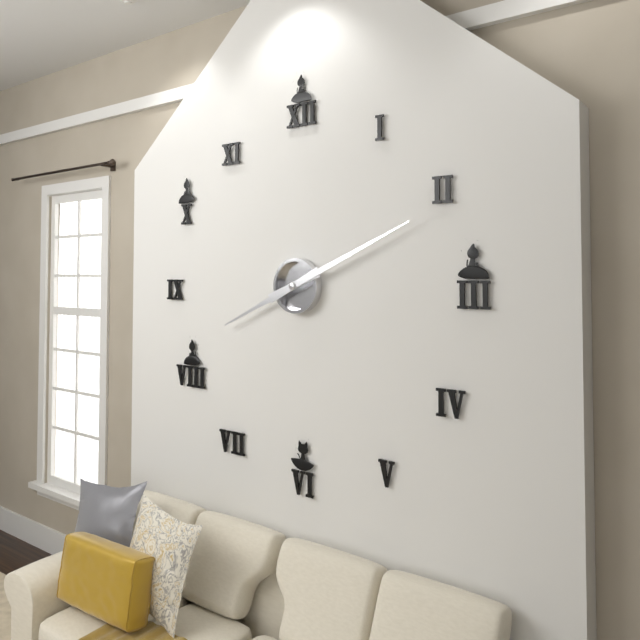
8:11
